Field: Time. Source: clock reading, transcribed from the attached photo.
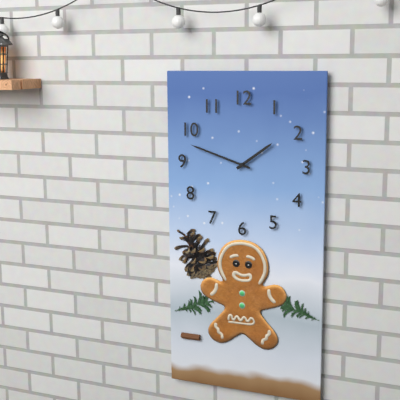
1:48
